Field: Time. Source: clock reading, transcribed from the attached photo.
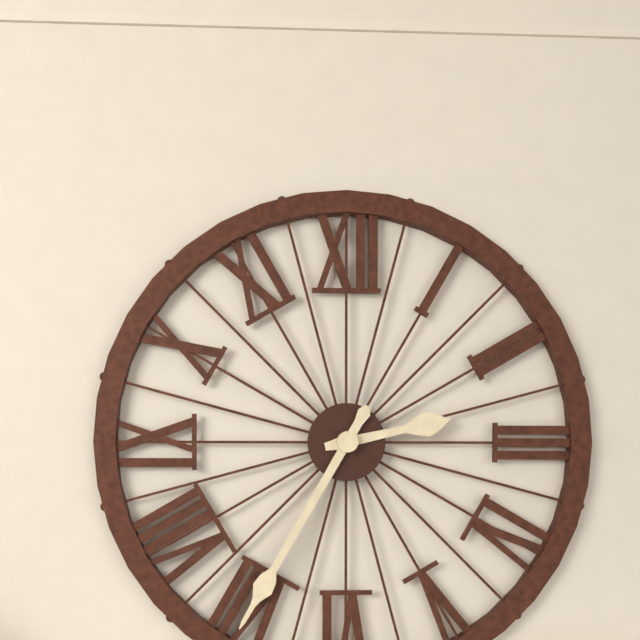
2:35
